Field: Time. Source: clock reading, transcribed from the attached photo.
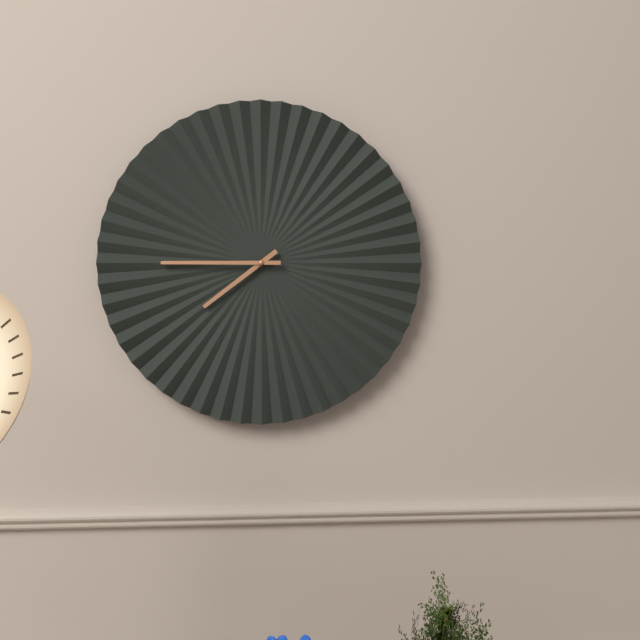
7:45
